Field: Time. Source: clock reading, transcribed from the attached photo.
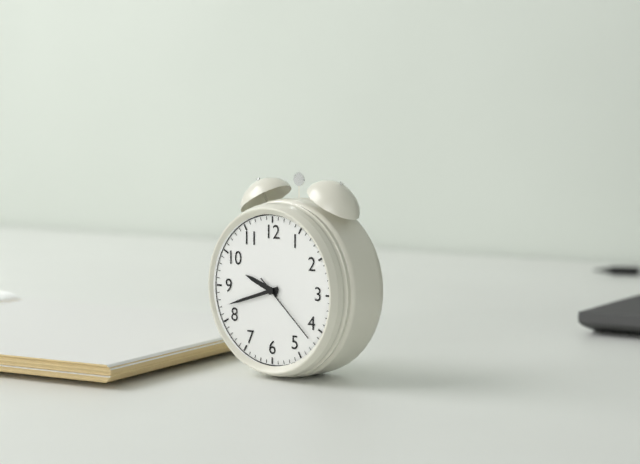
9:42:22
